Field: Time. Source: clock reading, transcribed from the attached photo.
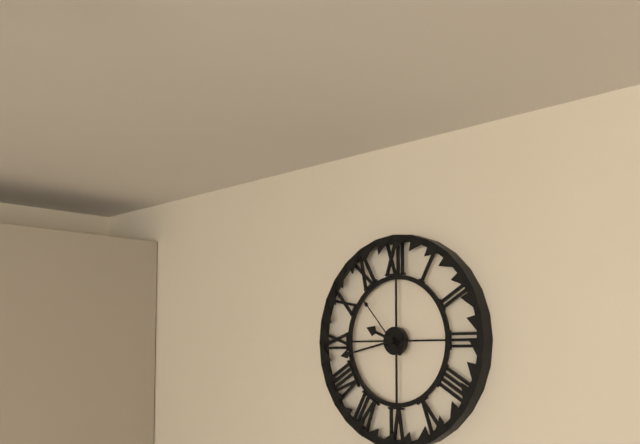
9:43:53
